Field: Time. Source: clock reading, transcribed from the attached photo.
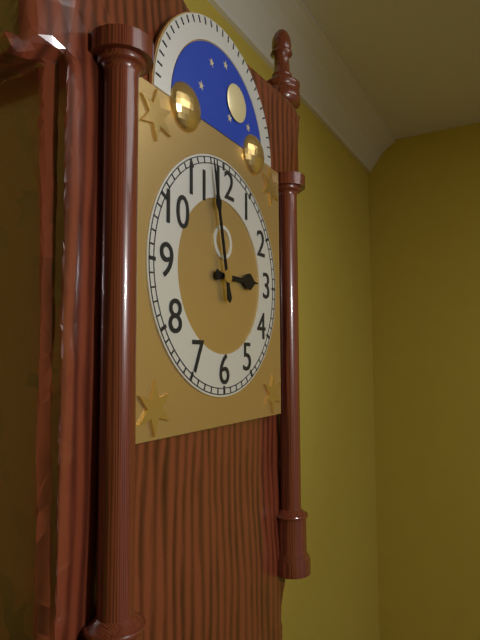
2:58
